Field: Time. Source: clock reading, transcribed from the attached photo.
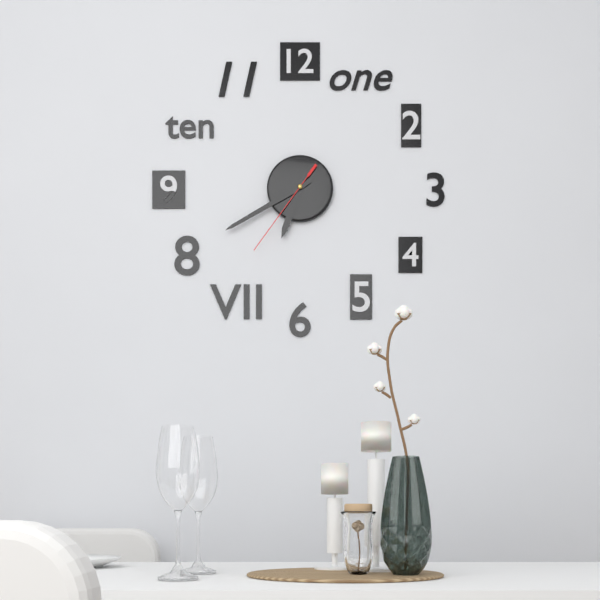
6:40:36
